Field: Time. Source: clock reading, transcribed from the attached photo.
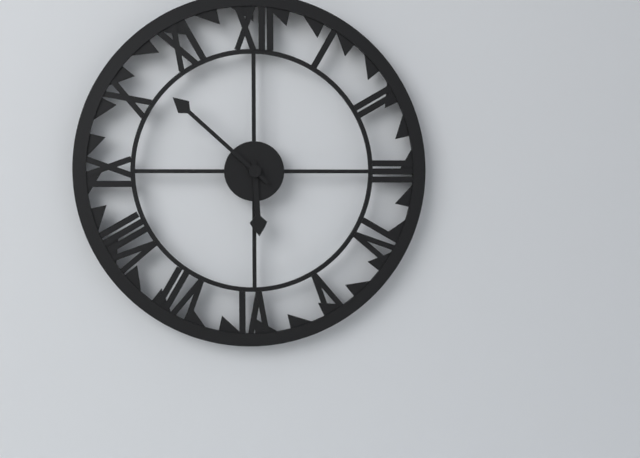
5:52
